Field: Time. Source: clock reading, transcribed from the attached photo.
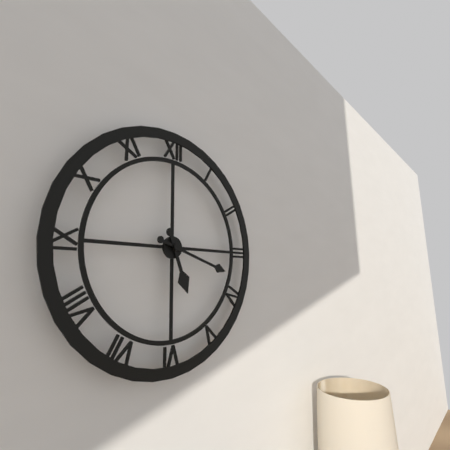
5:18
